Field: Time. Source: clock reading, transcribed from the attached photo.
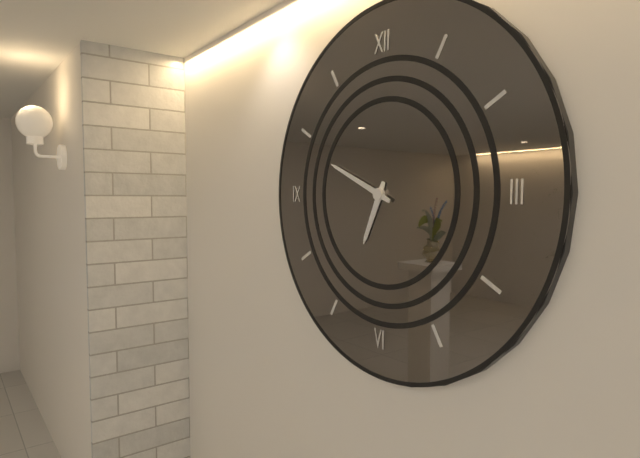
6:49
